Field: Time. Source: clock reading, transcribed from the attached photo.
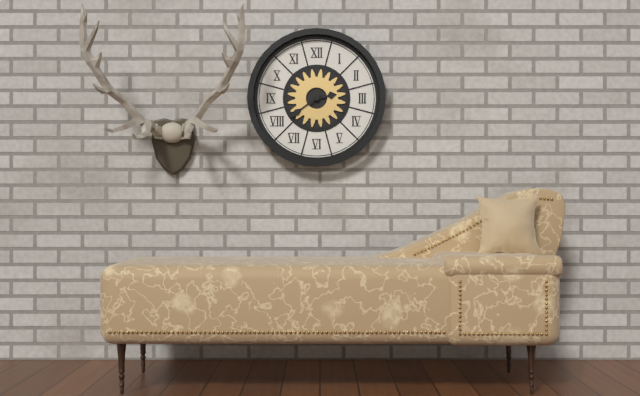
2:39
